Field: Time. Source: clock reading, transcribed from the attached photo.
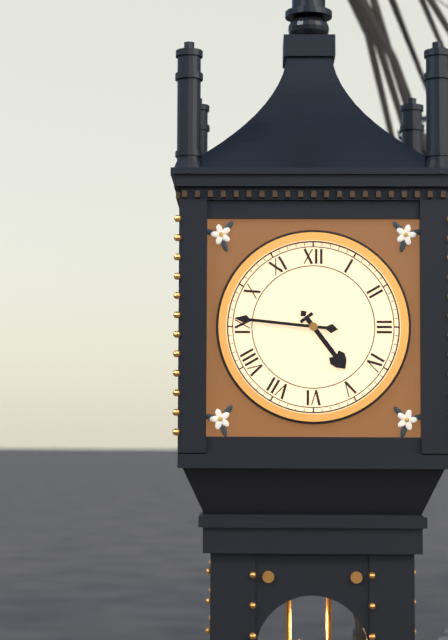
4:46
